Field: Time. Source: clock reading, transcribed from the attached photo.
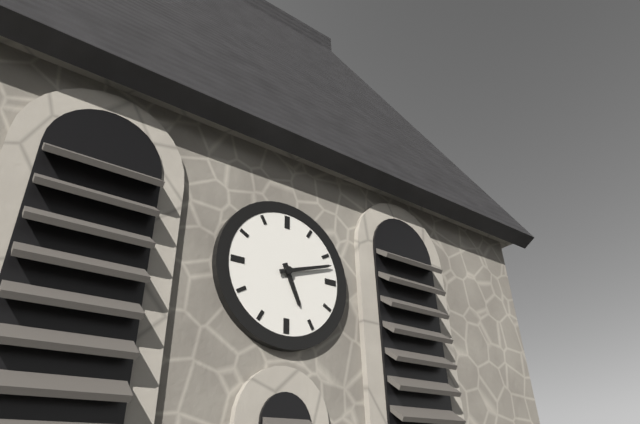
5:12
